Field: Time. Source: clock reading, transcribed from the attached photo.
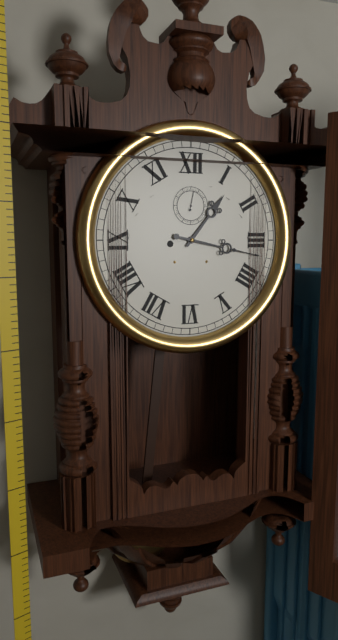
1:17
